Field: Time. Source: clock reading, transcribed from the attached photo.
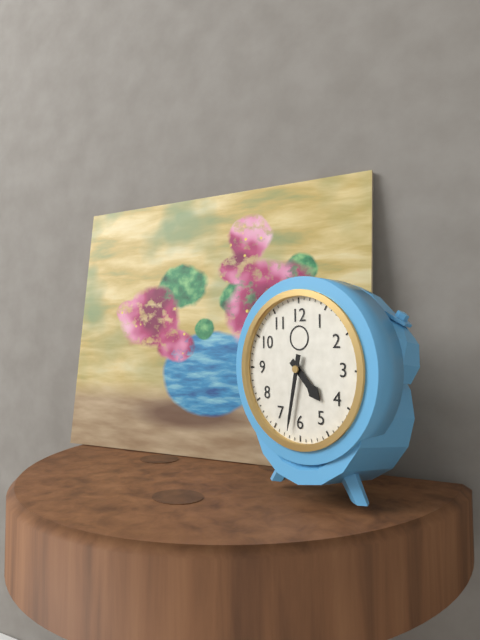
4:32
